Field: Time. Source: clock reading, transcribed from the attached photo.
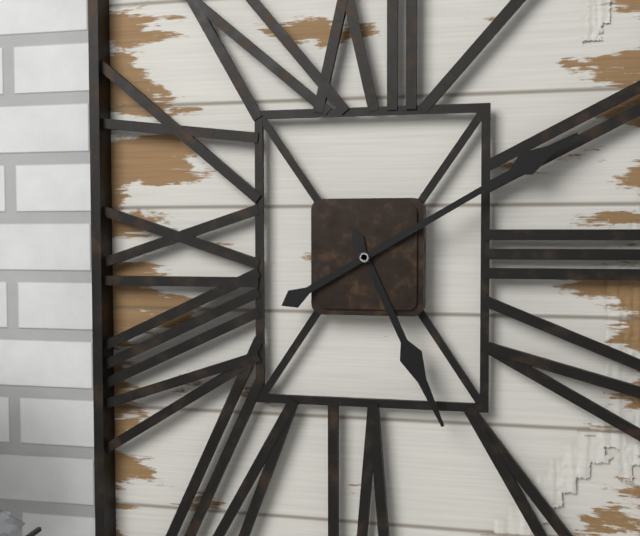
5:10
